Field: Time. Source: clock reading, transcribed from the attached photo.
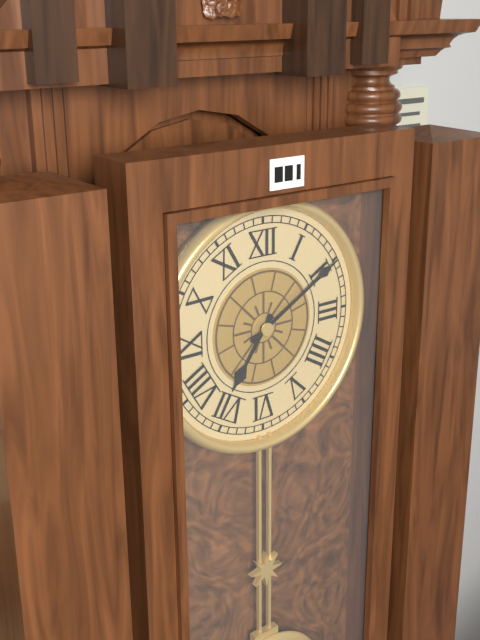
7:10
